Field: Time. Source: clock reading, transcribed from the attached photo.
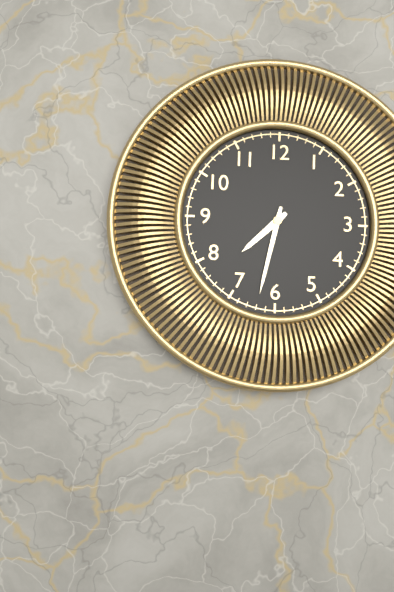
7:32
